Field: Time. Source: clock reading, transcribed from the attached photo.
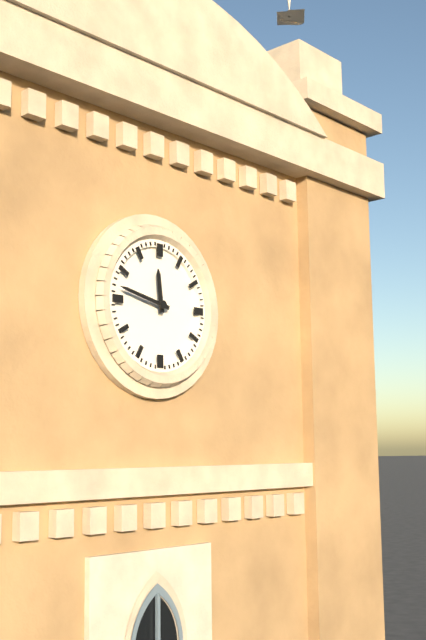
11:47
